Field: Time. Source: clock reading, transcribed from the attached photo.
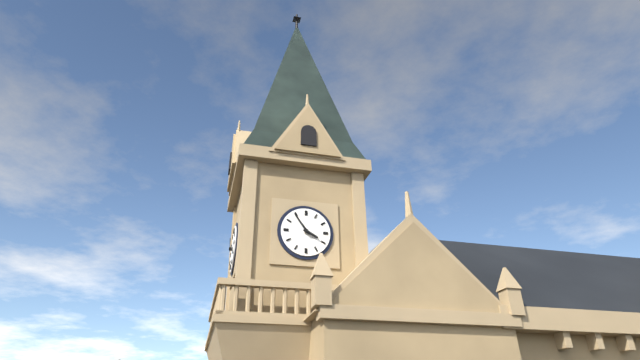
3:54
